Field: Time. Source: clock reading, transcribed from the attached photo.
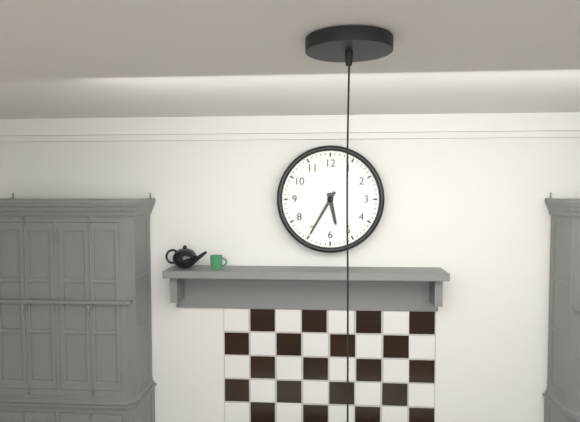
5:35
